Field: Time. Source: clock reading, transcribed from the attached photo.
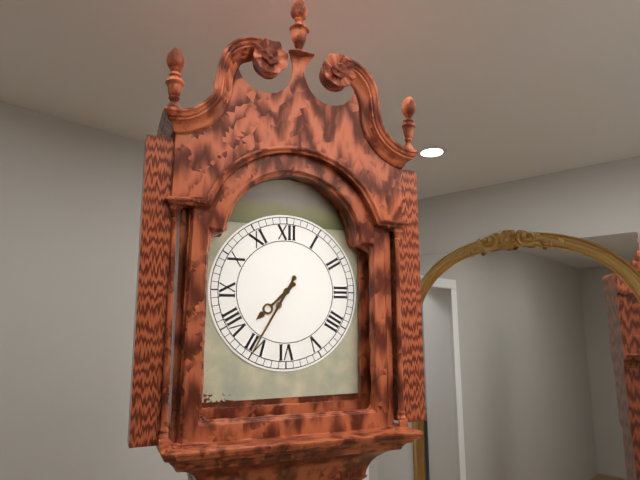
7:35
